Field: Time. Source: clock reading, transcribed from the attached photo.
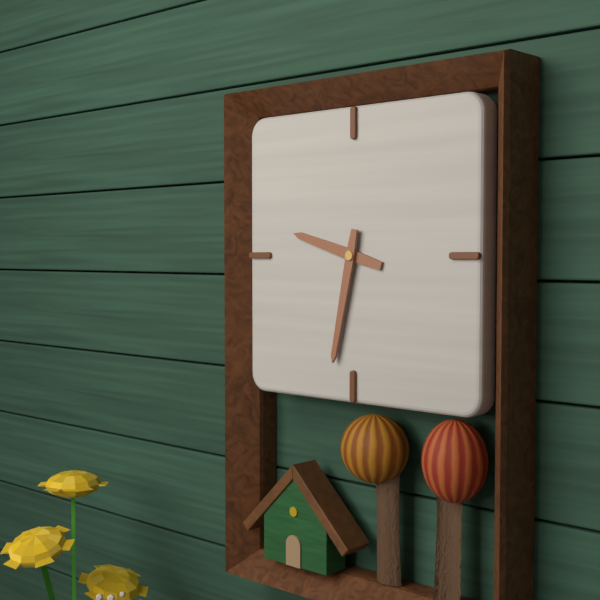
9:32
